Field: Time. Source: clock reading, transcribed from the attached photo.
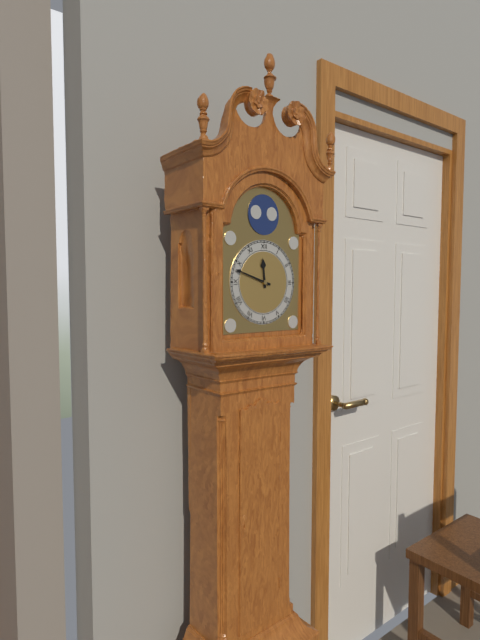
11:48
